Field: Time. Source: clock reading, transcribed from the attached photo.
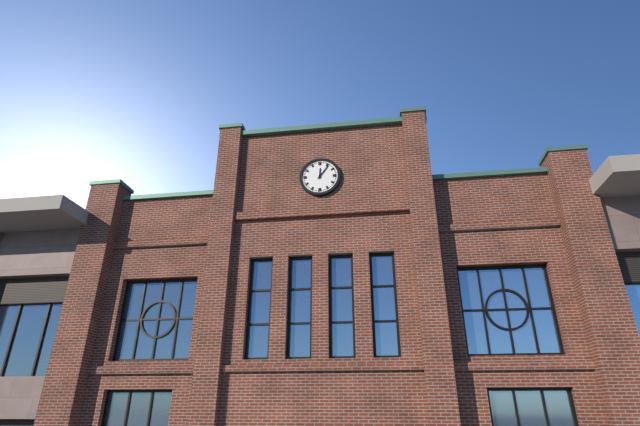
12:06
